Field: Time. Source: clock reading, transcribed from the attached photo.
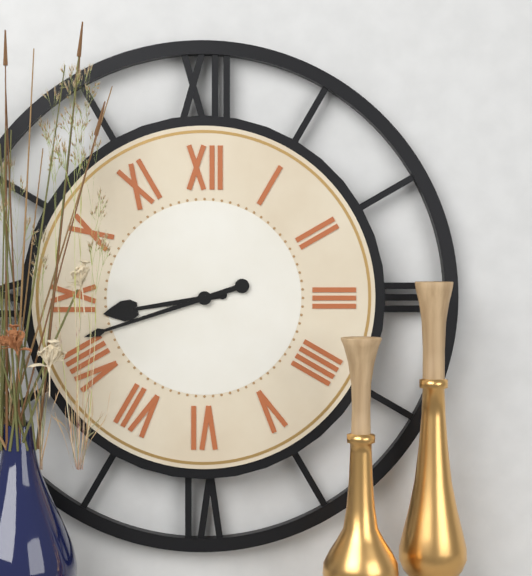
8:42
